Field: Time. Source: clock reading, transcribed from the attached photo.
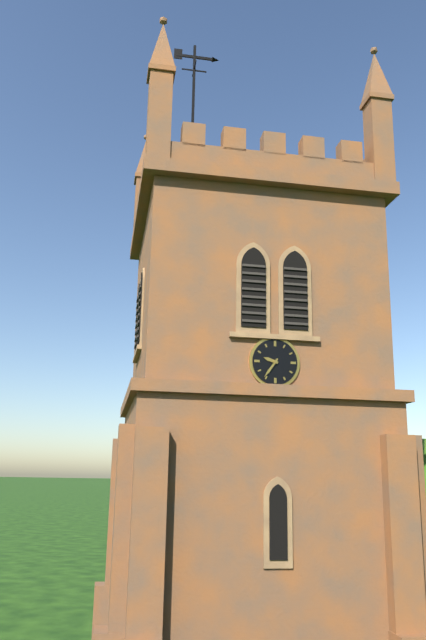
9:36
